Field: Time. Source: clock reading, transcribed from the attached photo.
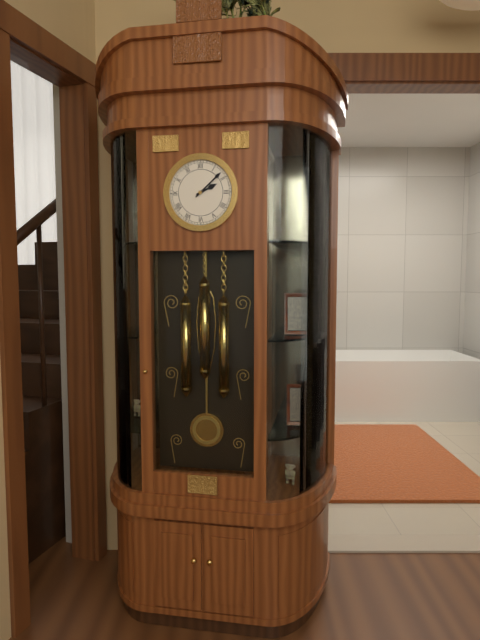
2:08
